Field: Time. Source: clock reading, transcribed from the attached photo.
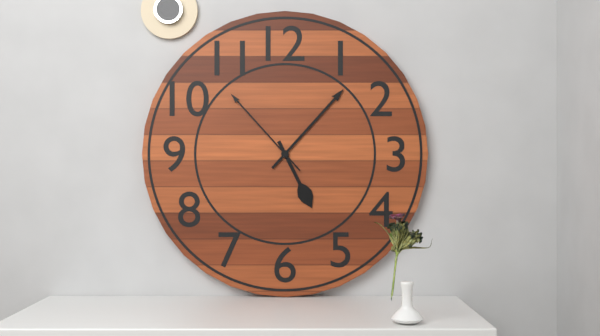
5:07:53
